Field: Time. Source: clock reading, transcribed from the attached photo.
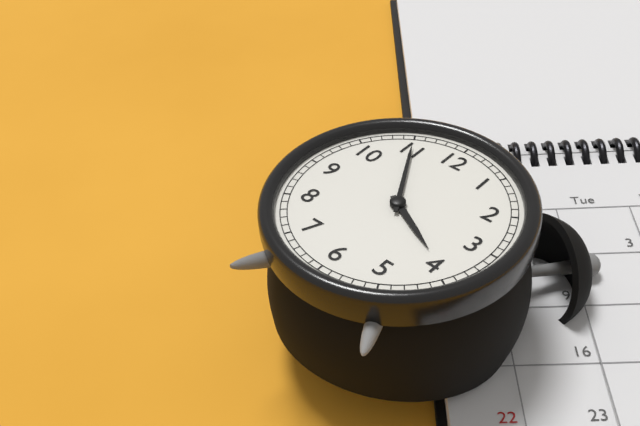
3:55
